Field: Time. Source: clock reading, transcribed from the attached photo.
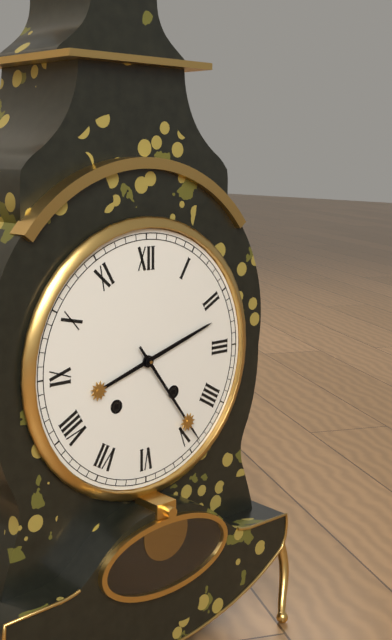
2:24
